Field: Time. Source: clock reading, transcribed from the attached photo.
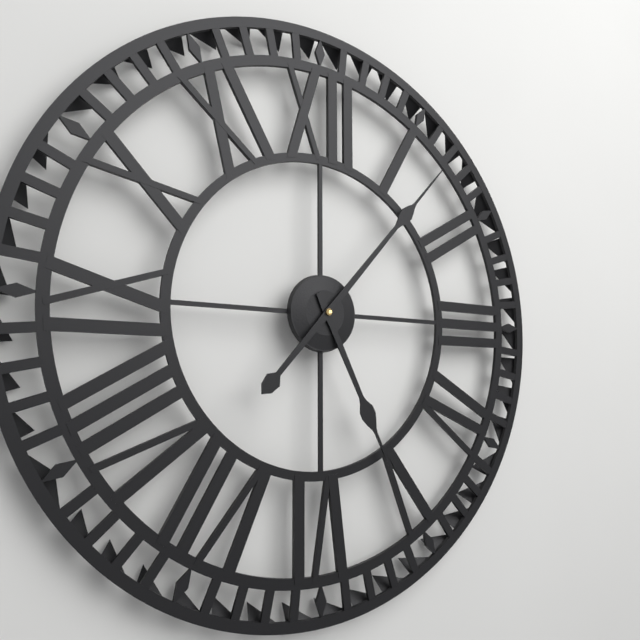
5:07
